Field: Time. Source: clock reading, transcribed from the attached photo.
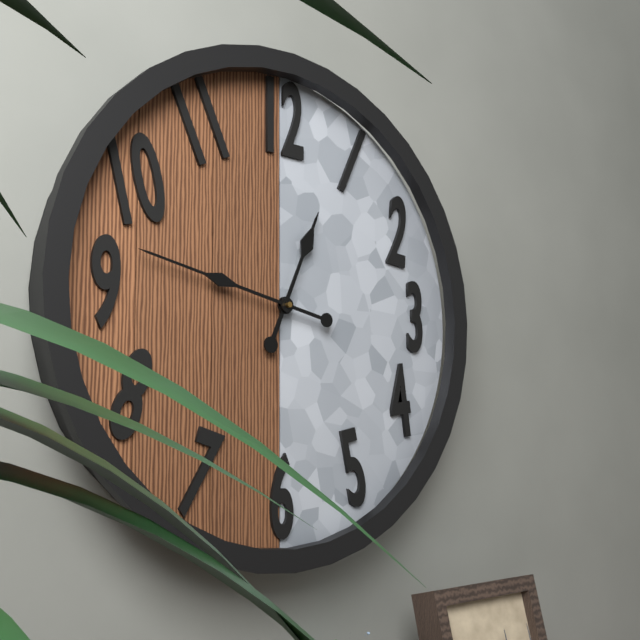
12:47
